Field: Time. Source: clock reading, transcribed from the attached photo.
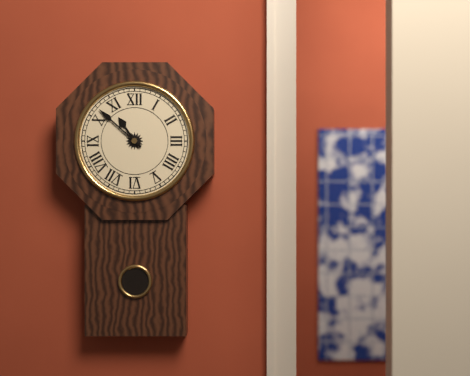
10:52
